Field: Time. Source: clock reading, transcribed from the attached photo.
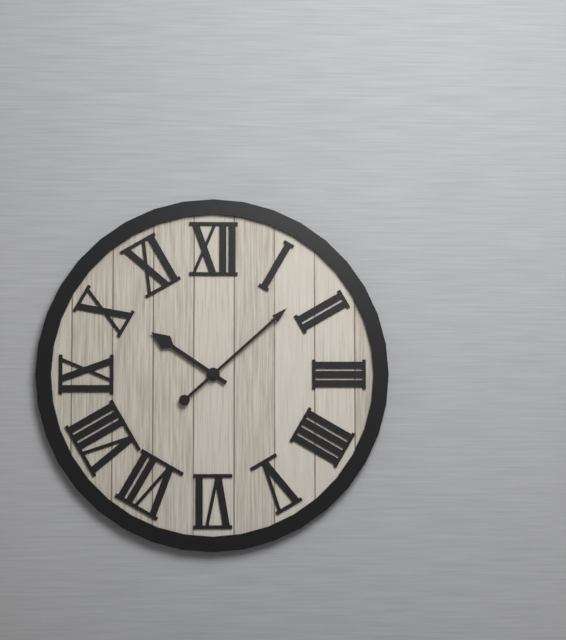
10:08
